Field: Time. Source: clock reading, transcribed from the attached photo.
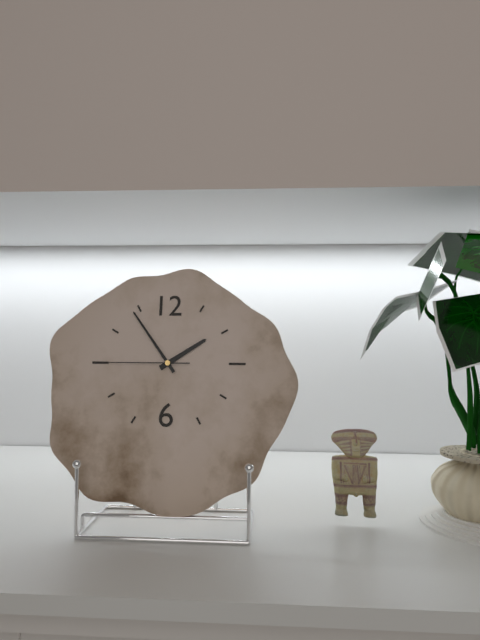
1:54:45
